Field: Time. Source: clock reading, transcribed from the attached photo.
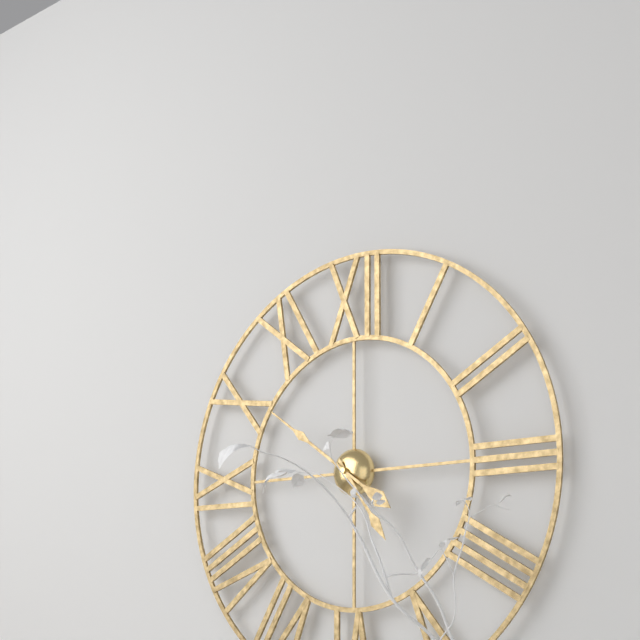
4:51
